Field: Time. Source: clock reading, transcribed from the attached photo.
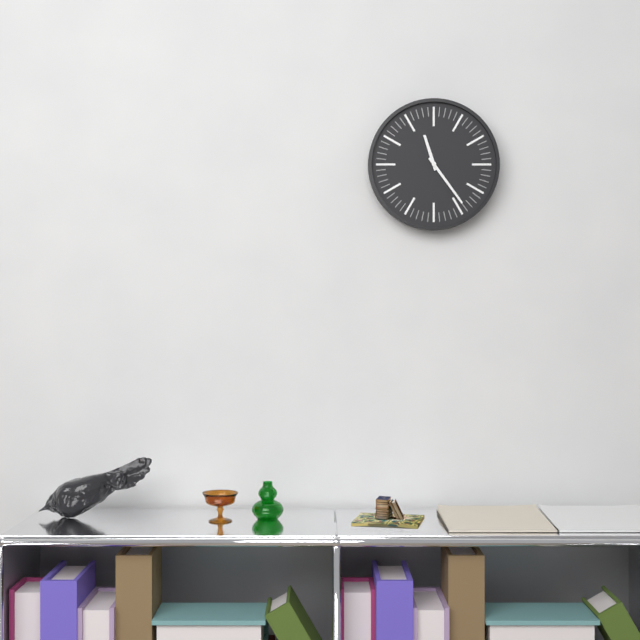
11:24
